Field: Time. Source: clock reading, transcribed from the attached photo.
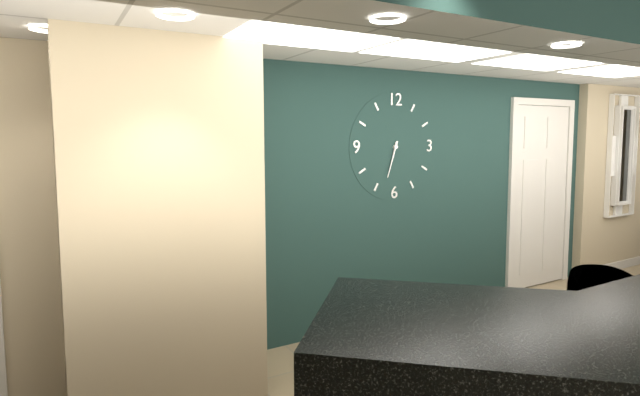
6:33
